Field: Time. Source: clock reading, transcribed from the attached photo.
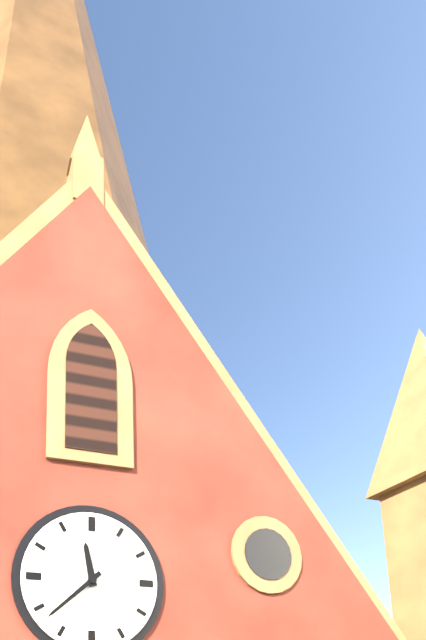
11:38
